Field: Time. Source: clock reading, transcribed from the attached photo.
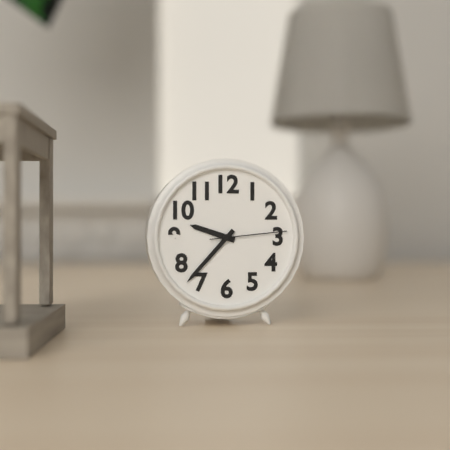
9:37:14
